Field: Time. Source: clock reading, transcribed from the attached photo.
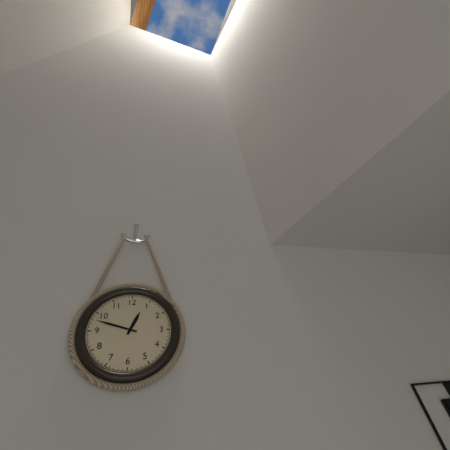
12:48
